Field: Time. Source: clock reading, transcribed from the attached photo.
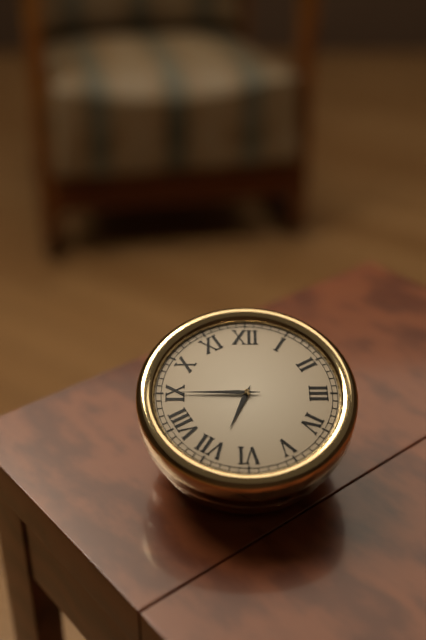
6:45
